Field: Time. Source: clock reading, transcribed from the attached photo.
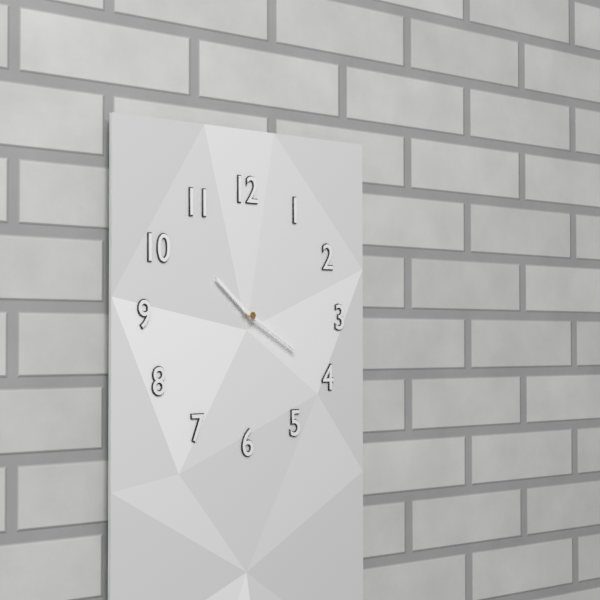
10:20
